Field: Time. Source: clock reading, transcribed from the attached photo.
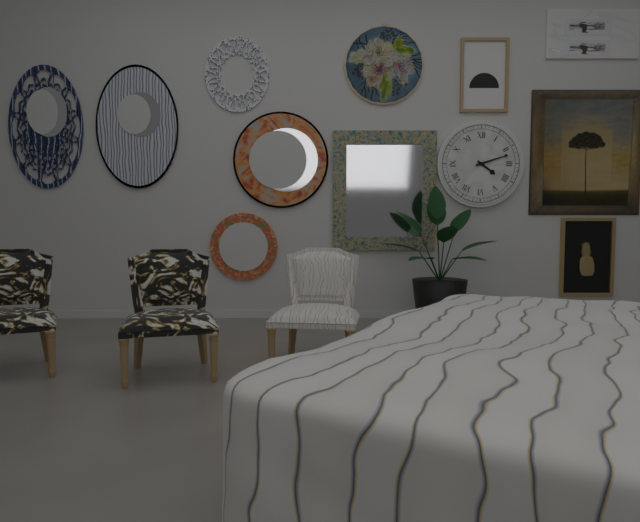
4:12
